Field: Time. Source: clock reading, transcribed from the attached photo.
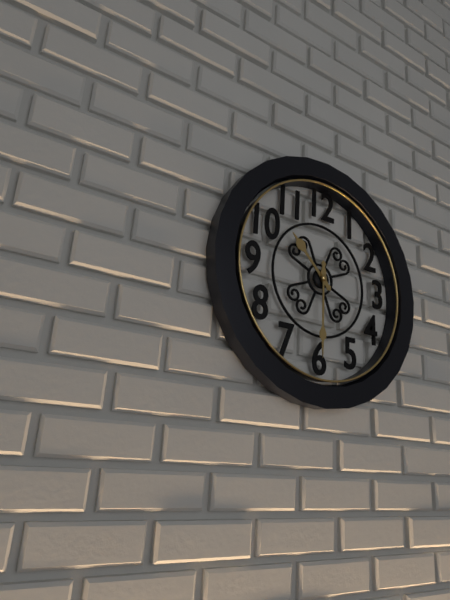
10:30
